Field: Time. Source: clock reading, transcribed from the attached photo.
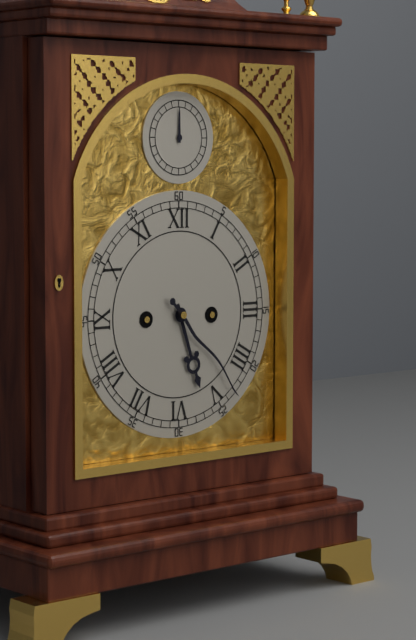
5:23
